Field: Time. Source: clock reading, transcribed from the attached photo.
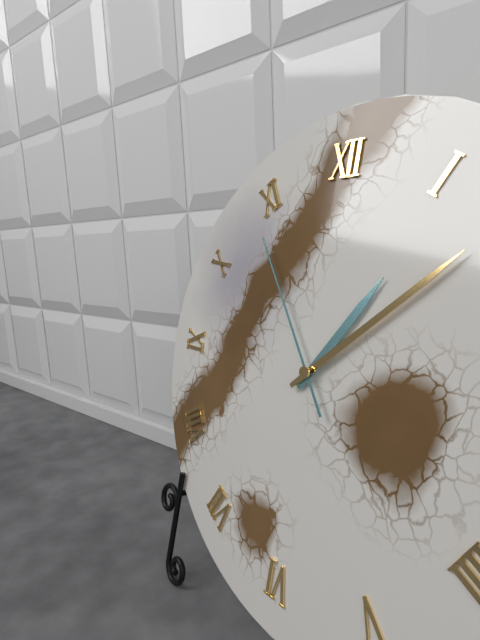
1:08:54
